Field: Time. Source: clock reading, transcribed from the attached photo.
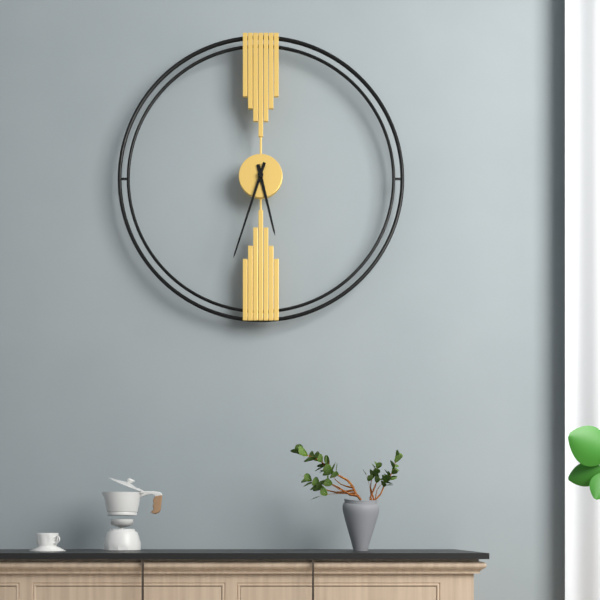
5:33
